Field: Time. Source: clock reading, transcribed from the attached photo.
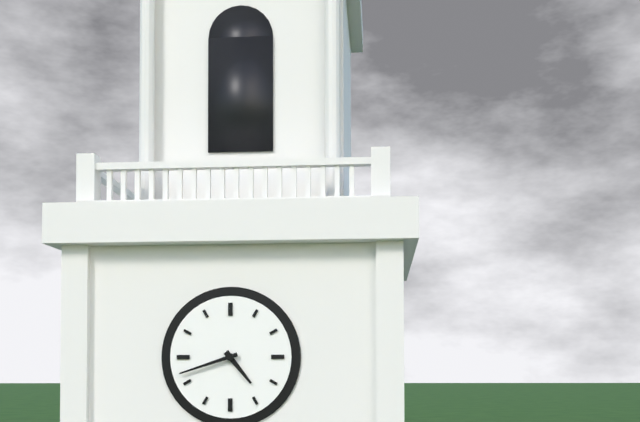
4:42
